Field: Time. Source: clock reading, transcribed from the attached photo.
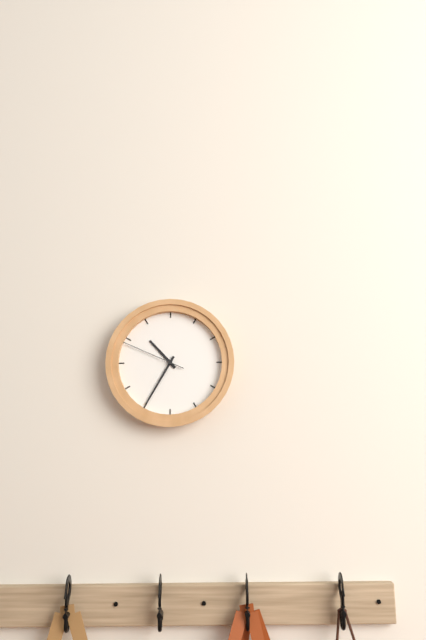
10:35:49
